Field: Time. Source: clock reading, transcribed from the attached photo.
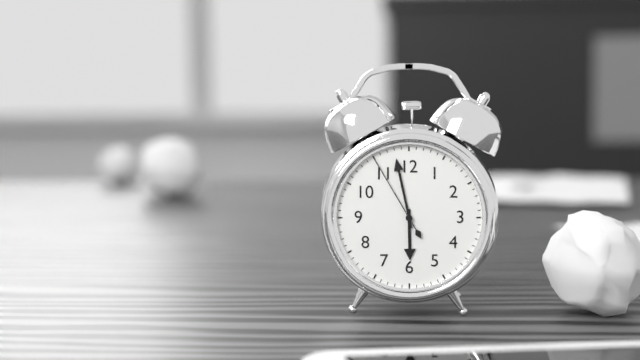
5:58:55
